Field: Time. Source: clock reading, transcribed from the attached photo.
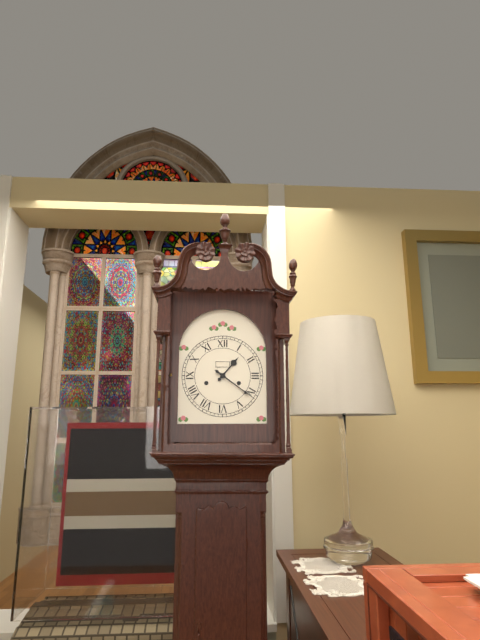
1:21
